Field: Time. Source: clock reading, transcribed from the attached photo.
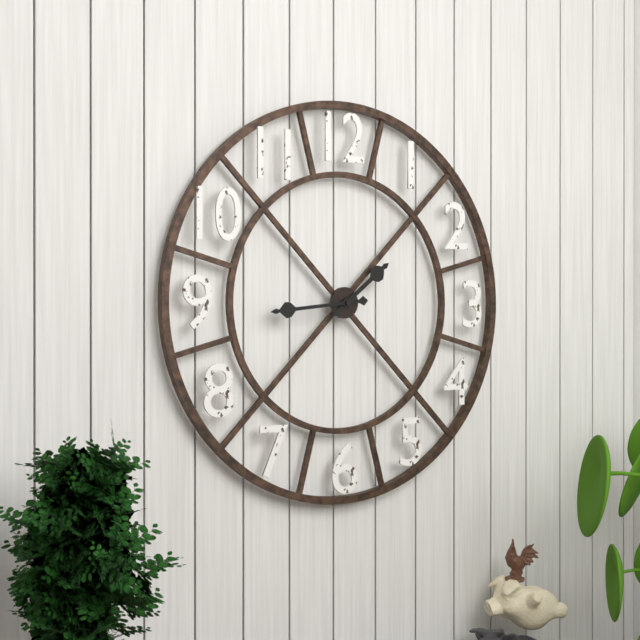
1:44
